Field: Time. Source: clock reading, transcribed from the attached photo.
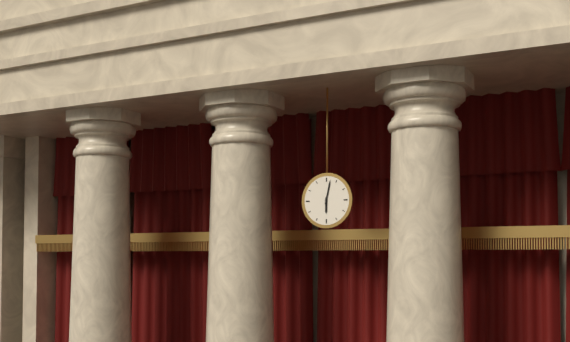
6:02
